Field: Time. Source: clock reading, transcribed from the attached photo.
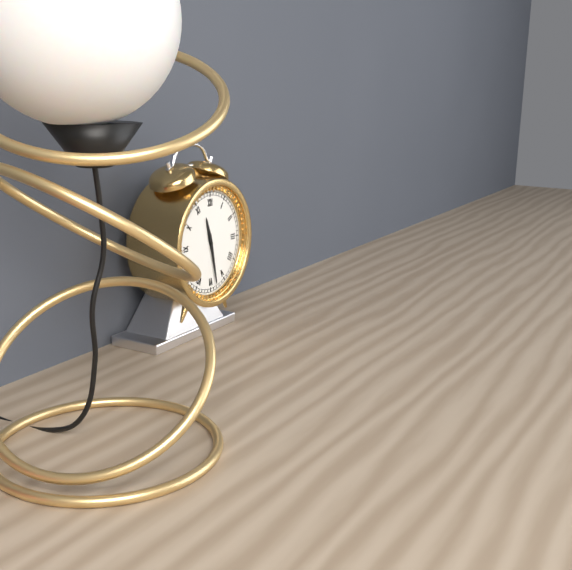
11:28
